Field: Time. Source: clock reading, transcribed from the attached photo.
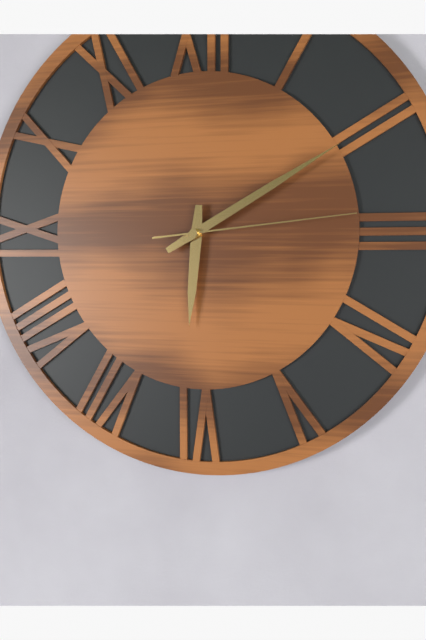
6:10:14
